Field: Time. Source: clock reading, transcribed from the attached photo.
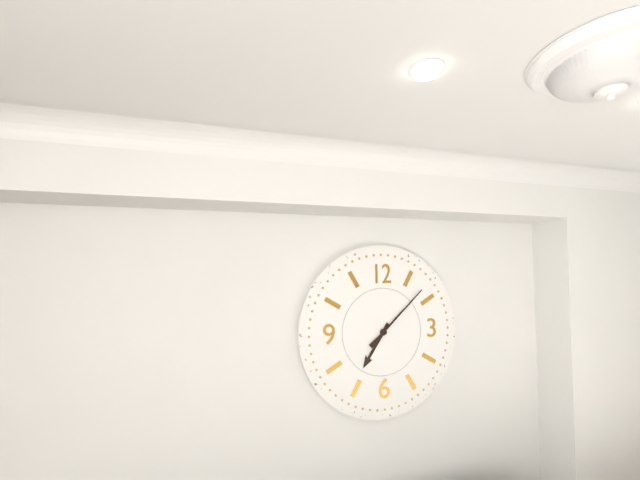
7:08
